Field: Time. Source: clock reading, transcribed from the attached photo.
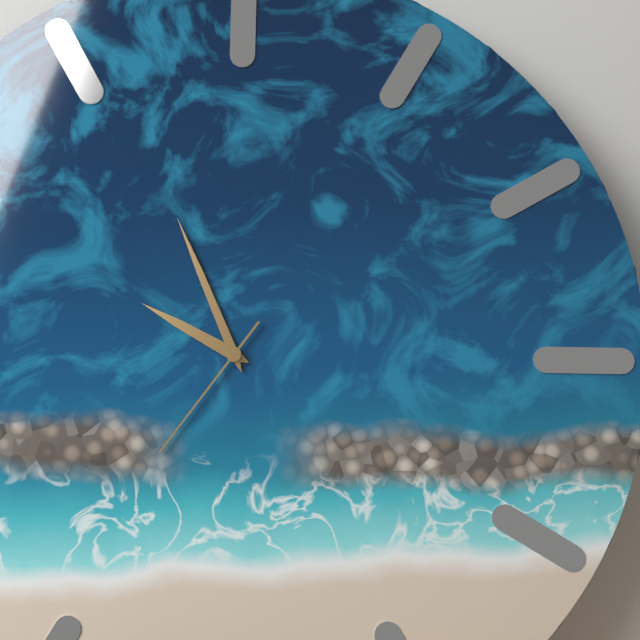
9:56:36
